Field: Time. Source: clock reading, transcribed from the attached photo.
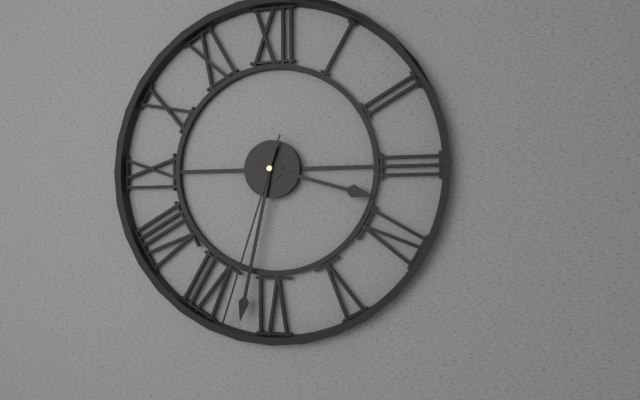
3:32:33
